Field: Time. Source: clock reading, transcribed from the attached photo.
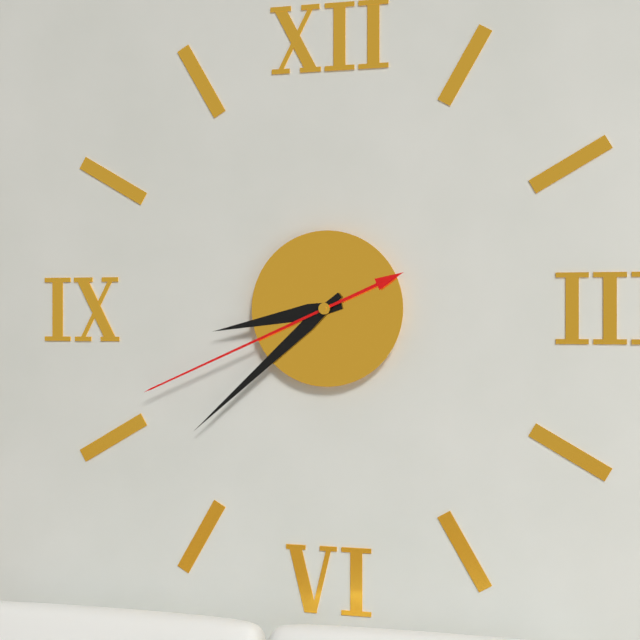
8:38:41
